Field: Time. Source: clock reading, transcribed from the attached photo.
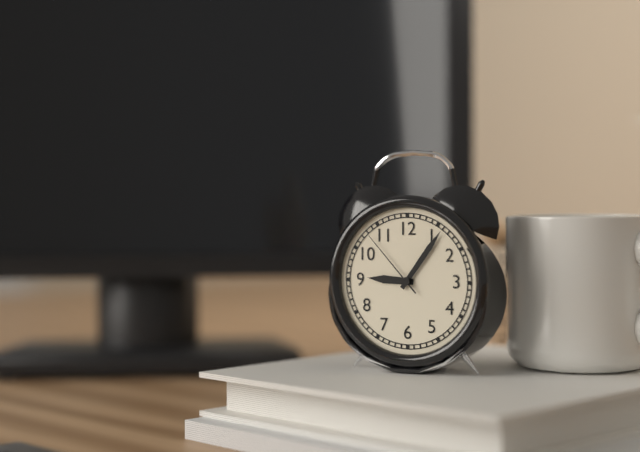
9:06:53
